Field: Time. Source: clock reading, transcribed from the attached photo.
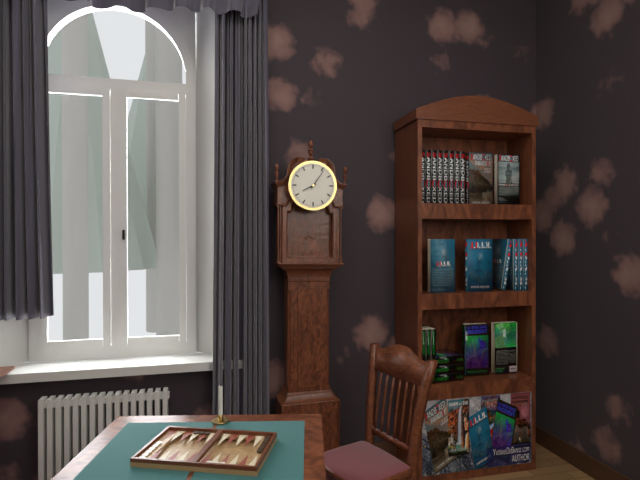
8:06
